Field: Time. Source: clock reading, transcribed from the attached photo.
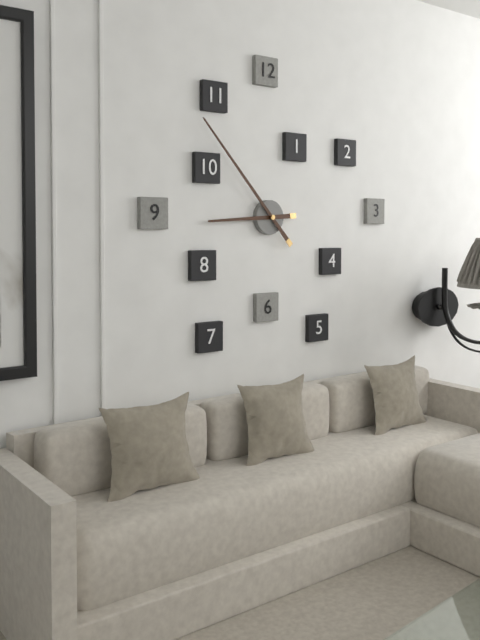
8:53
